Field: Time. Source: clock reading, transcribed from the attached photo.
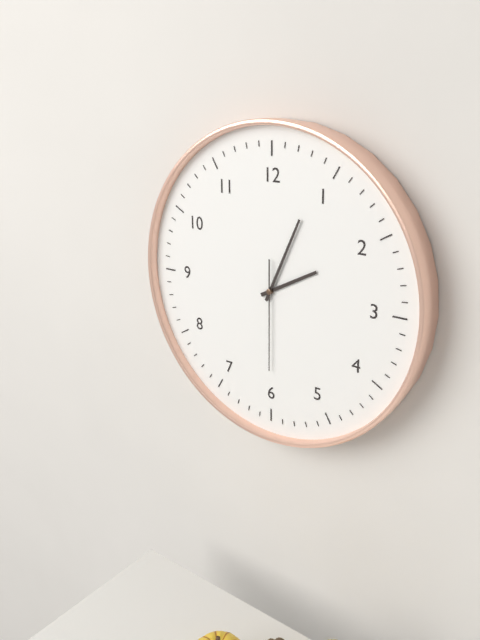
2:04:30
